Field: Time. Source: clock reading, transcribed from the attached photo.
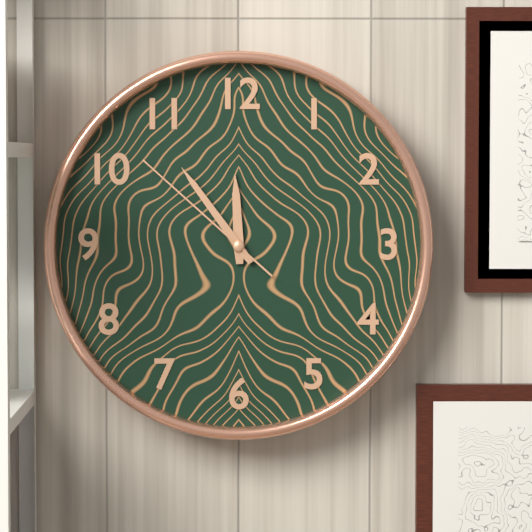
11:54:52
